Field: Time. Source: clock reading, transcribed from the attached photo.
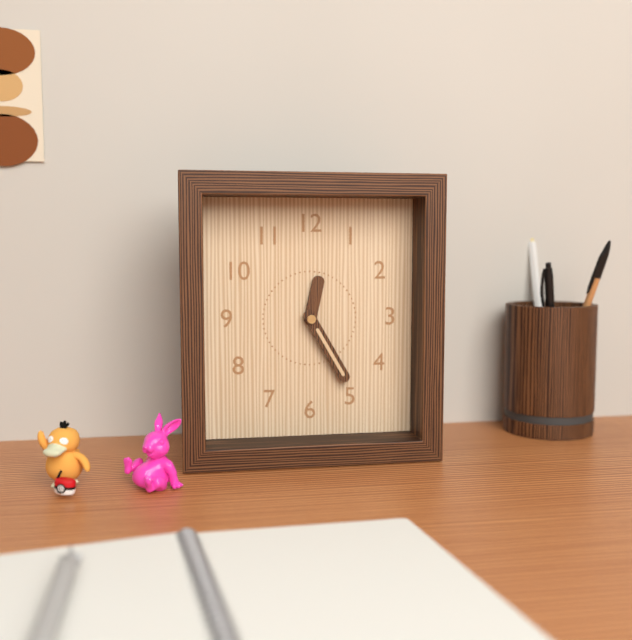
12:25
